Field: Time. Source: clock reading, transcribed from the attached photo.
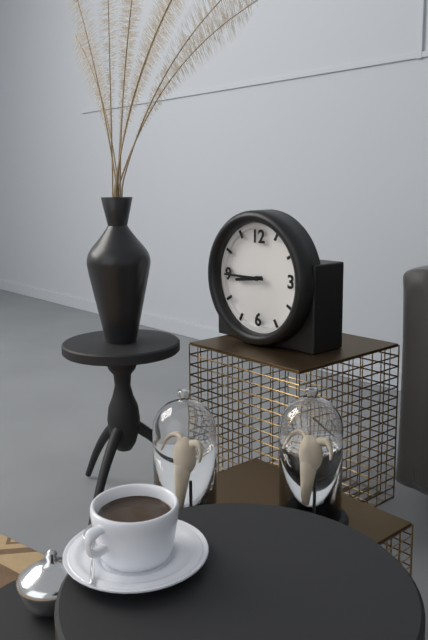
8:45
